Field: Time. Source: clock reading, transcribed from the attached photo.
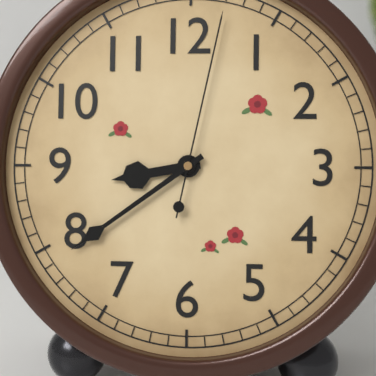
8:39:02
